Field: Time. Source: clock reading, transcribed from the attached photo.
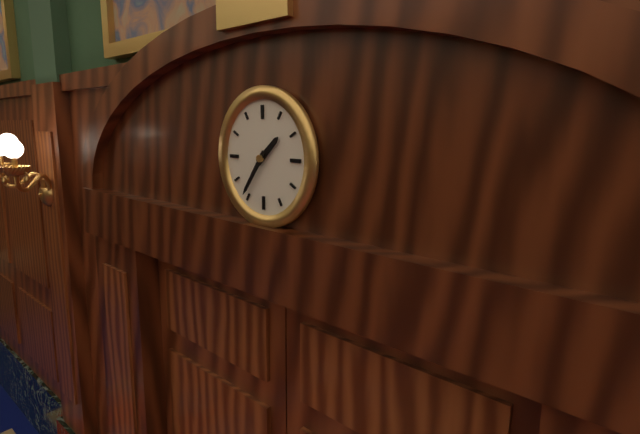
1:36
